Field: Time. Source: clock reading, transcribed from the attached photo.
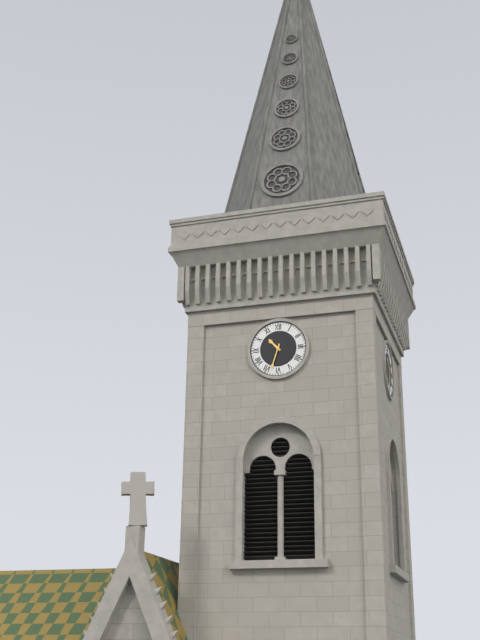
10:33
